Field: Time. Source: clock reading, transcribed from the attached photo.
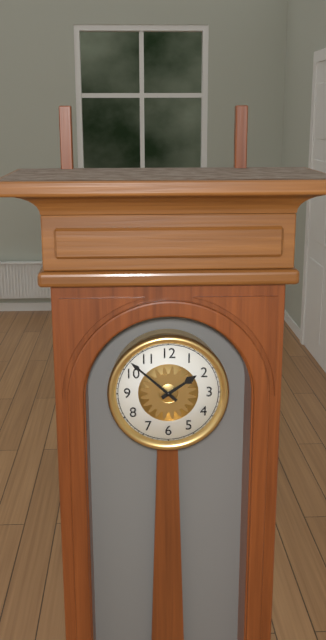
1:52
